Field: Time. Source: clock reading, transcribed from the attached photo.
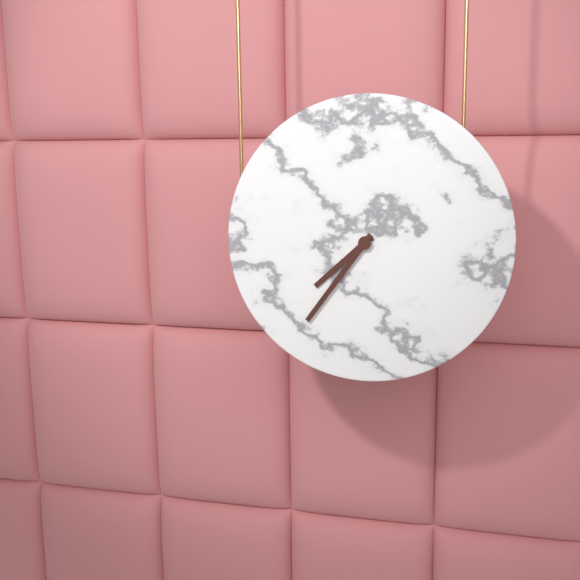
7:36
